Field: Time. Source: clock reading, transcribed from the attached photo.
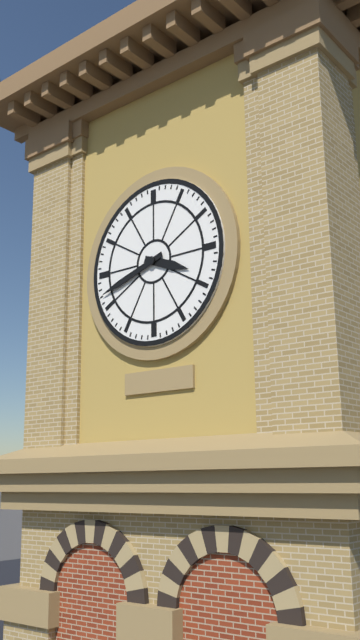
3:42
